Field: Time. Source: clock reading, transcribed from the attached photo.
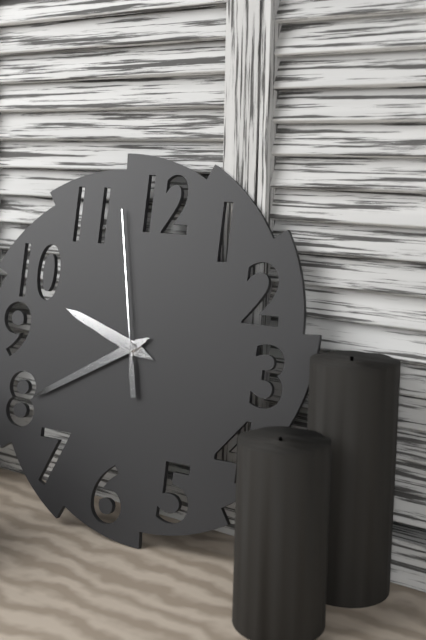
9:40:58
